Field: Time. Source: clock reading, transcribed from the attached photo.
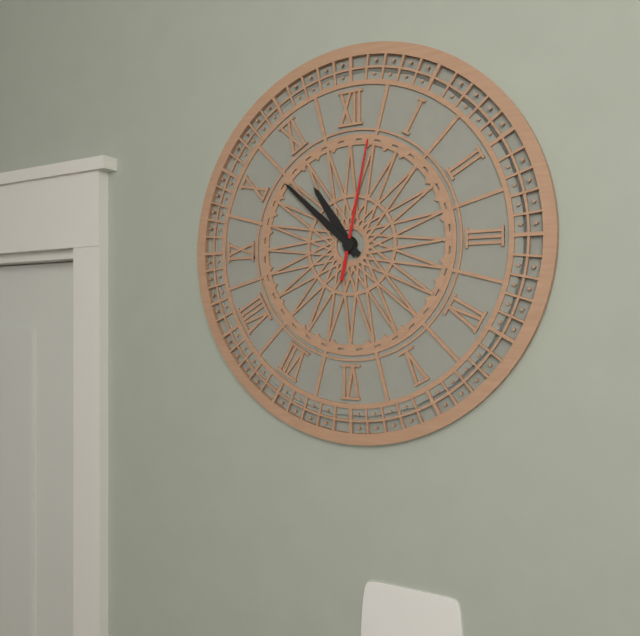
10:52:02
